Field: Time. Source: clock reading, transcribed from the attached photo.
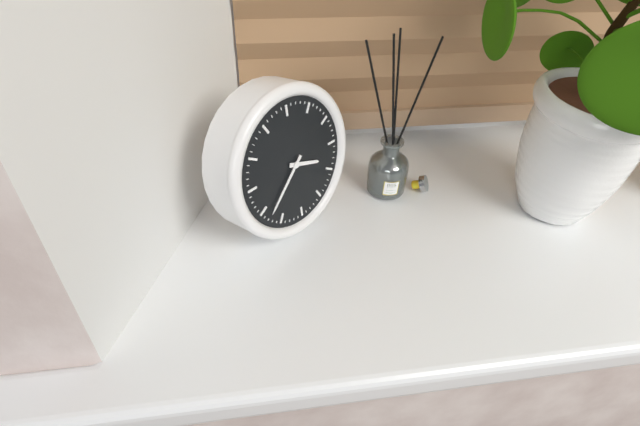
3:38
